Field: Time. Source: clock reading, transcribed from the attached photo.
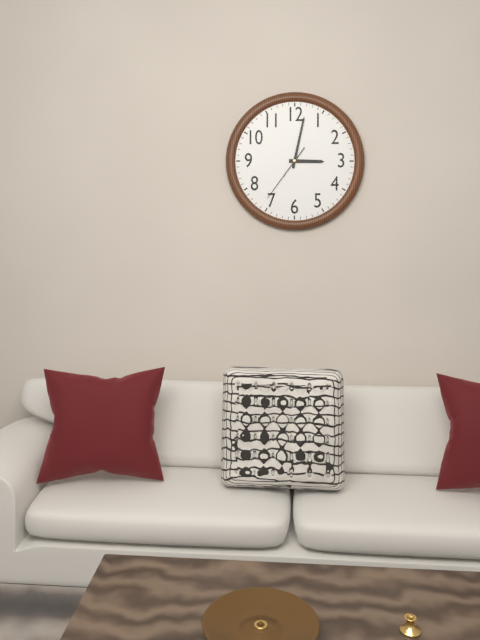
3:02:36
